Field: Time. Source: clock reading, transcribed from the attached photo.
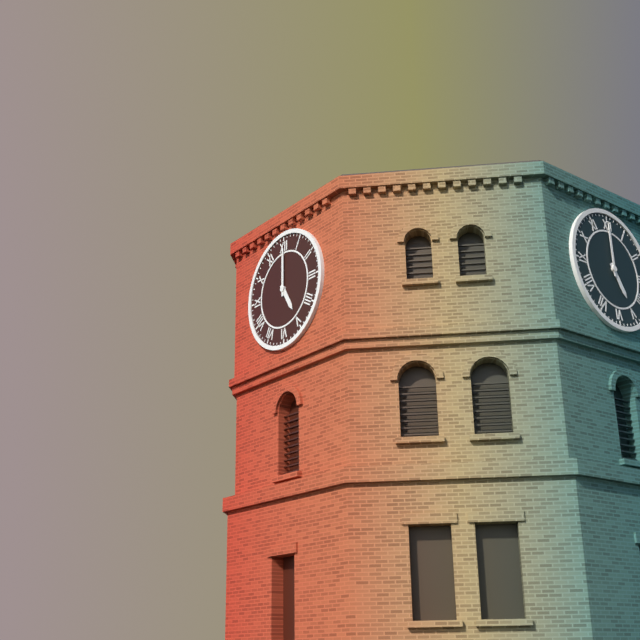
5:00
